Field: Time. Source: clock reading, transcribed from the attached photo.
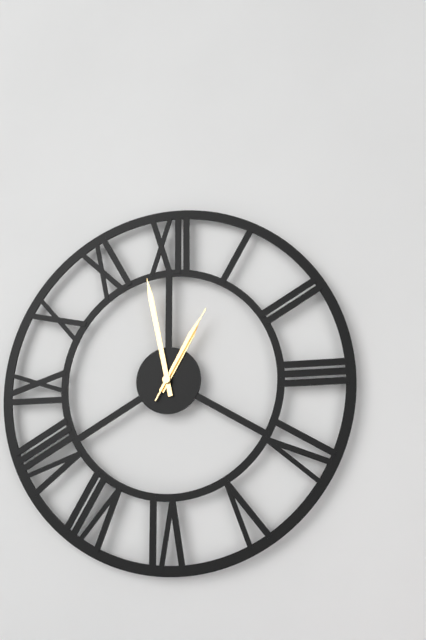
12:58:05
